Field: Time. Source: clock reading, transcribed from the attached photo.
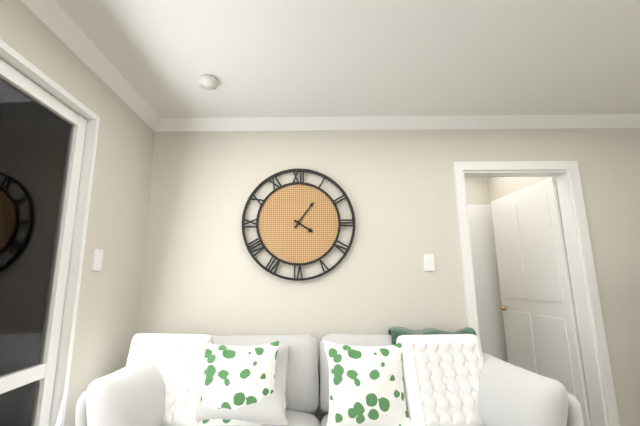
4:06
